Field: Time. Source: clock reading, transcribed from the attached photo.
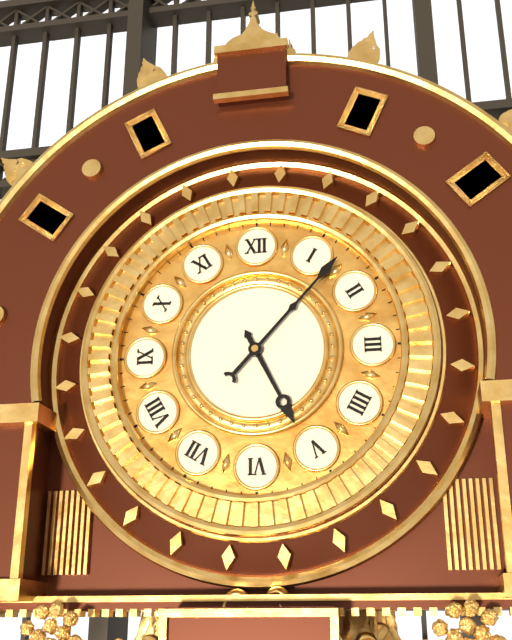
5:07
